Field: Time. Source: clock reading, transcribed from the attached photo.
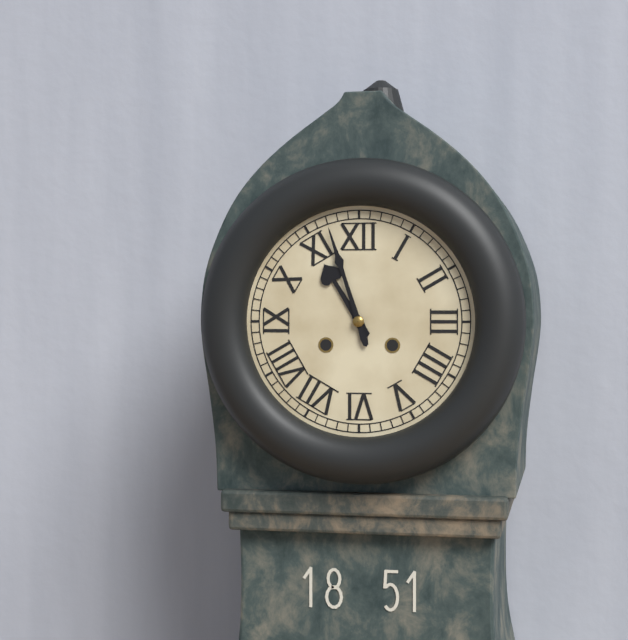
10:57
